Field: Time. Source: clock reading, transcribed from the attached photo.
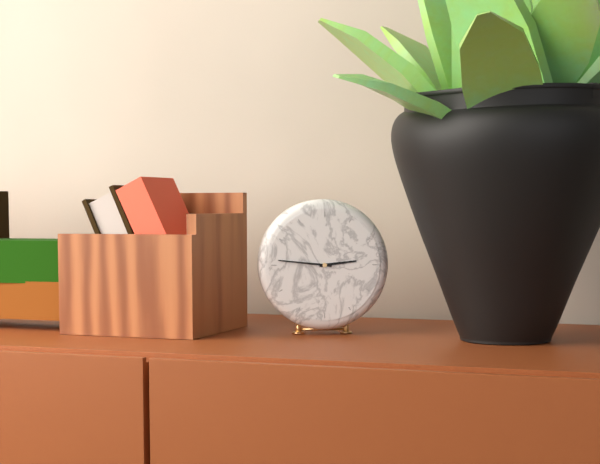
2:46
